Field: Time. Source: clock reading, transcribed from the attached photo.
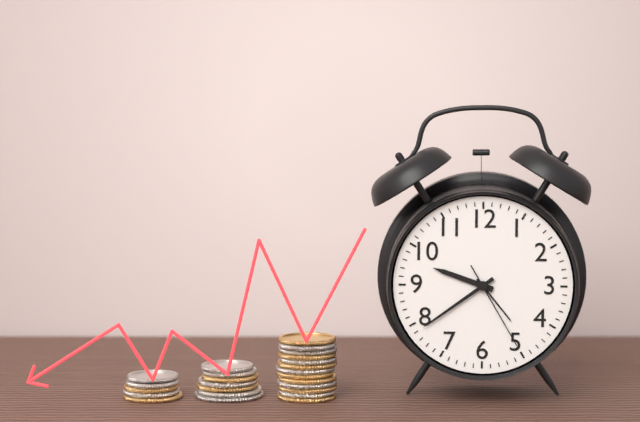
9:39:25
